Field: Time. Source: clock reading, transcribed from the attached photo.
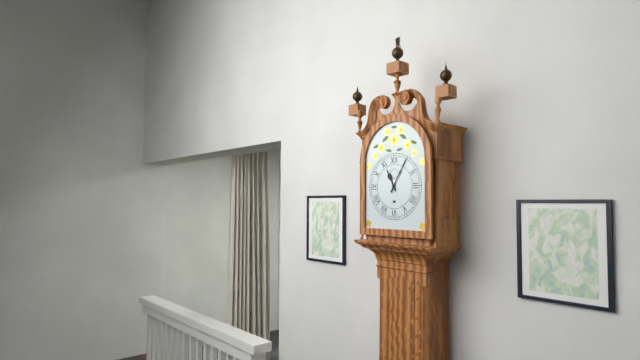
11:05
